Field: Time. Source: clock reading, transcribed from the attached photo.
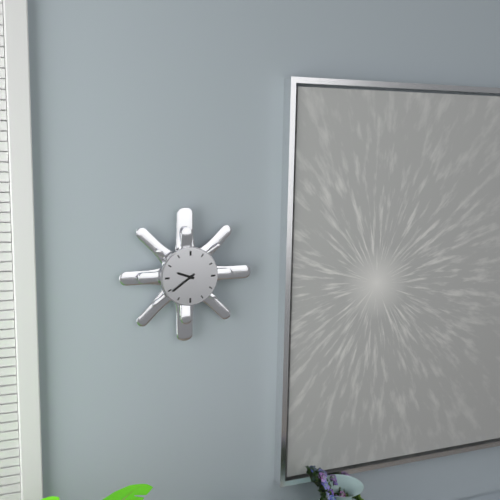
9:39
